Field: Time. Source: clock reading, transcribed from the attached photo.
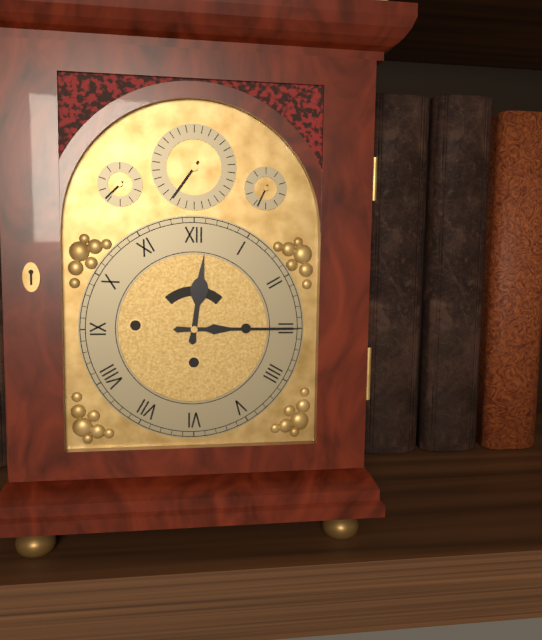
12:15
